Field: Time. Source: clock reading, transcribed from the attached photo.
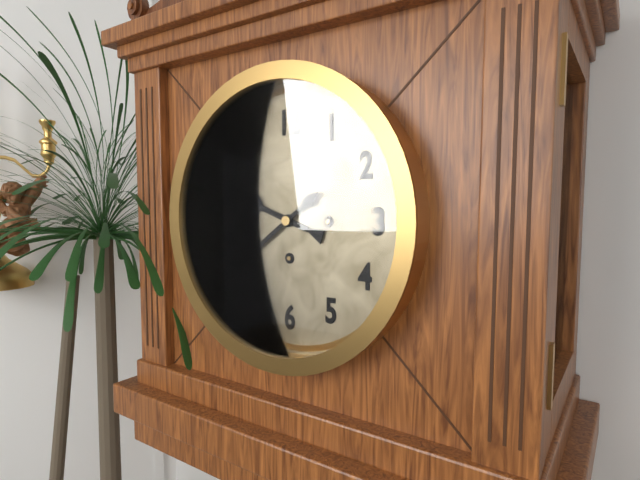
9:39
